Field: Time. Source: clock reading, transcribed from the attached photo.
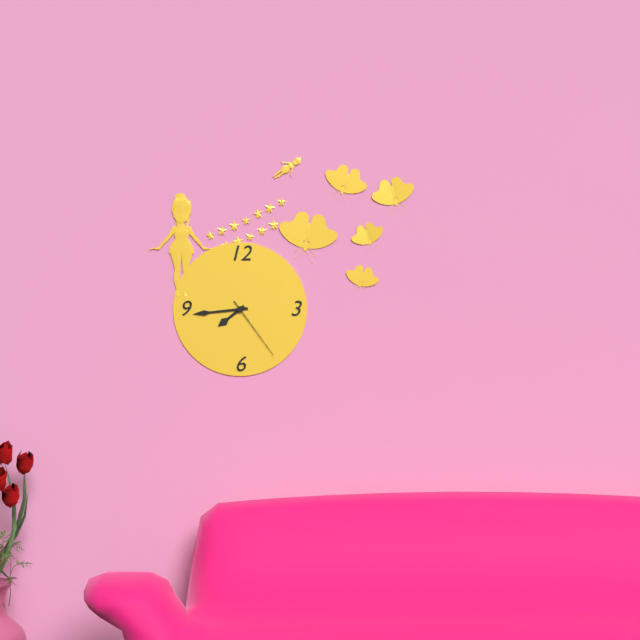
7:44:24
